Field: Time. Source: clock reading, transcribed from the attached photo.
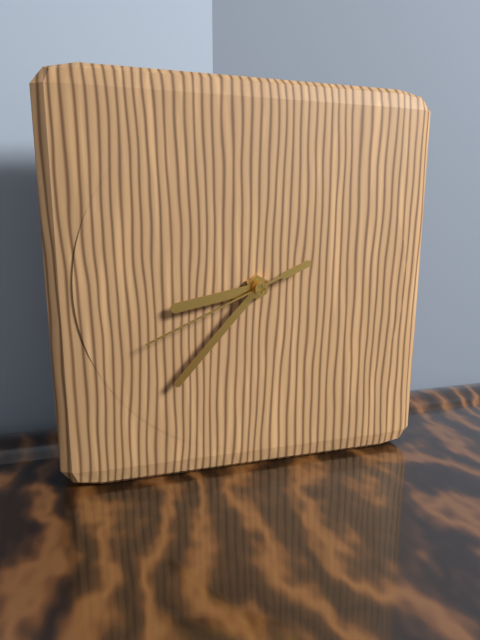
8:37:41
